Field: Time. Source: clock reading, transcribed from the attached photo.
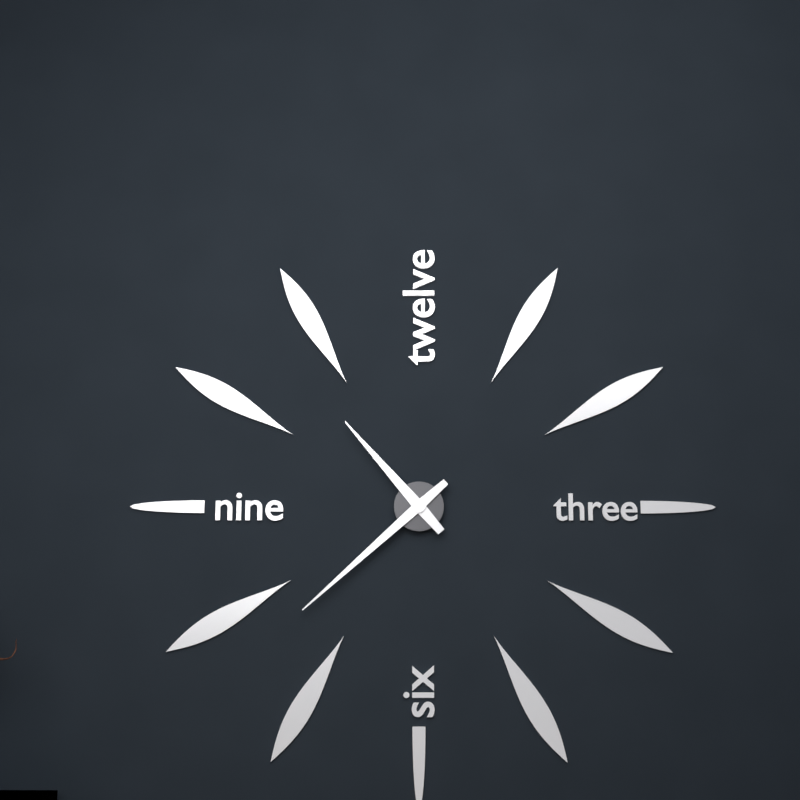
10:38
